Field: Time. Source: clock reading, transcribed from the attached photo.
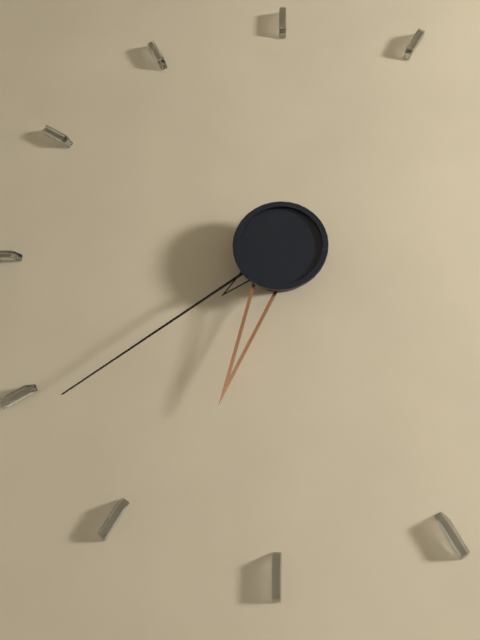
6:39:38
